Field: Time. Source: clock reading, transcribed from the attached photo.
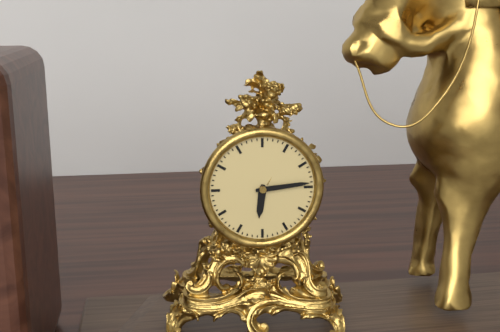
6:14
